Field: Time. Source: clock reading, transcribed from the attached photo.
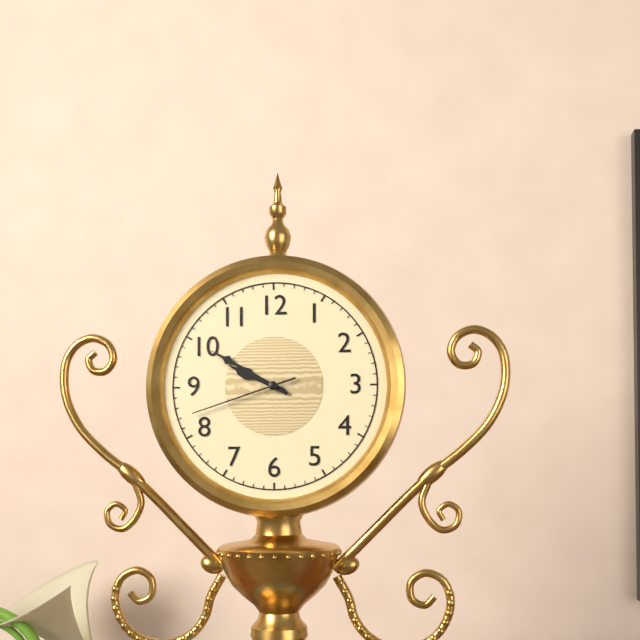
9:50:42
